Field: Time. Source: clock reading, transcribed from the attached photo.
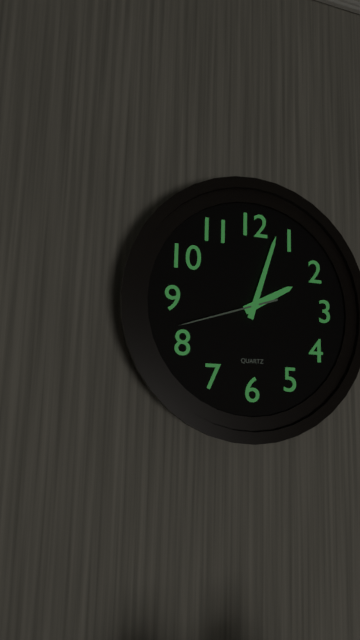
2:03:42
